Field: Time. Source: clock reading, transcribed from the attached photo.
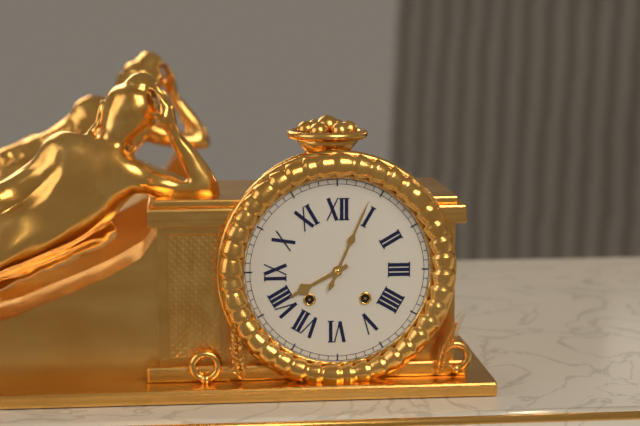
8:04
